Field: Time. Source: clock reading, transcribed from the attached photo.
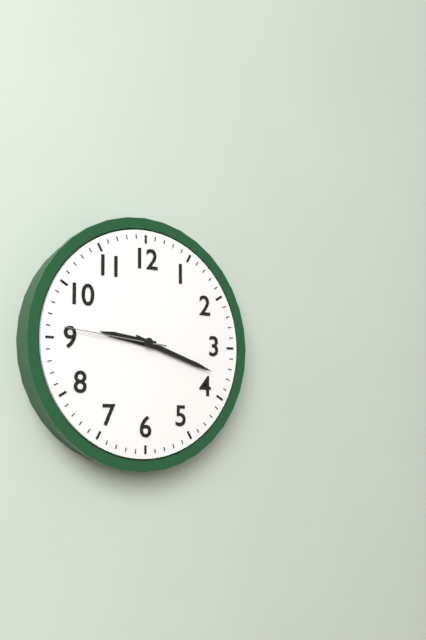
9:18:46
